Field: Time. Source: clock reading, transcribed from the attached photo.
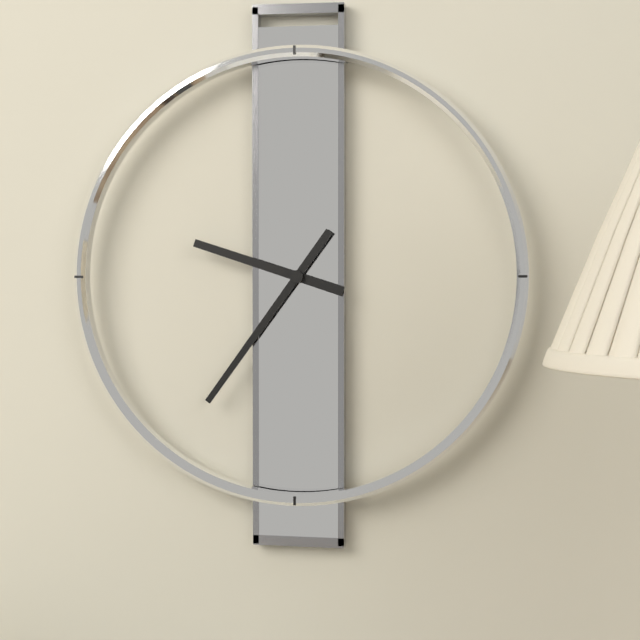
9:36
